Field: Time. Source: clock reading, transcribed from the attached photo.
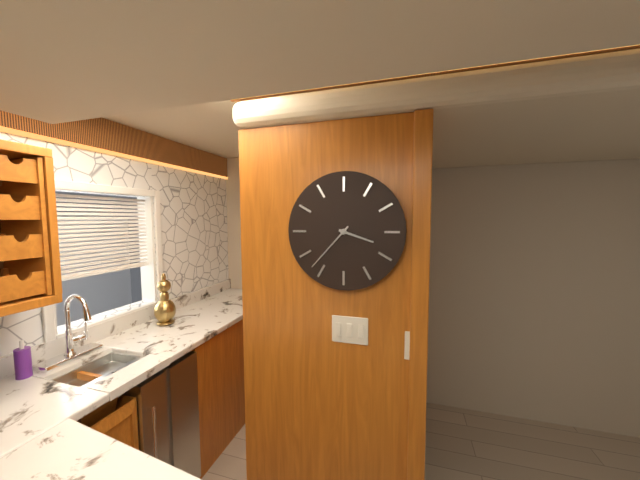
3:37
